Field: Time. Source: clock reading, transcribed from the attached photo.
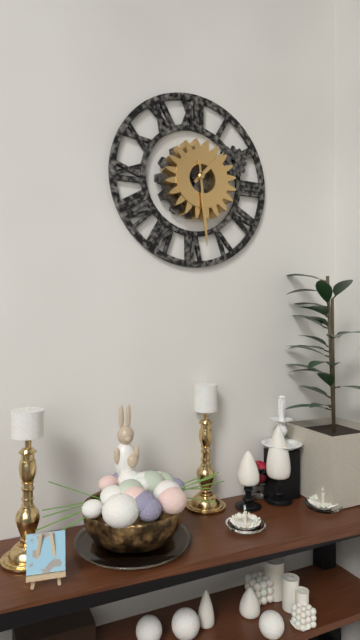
1:29
